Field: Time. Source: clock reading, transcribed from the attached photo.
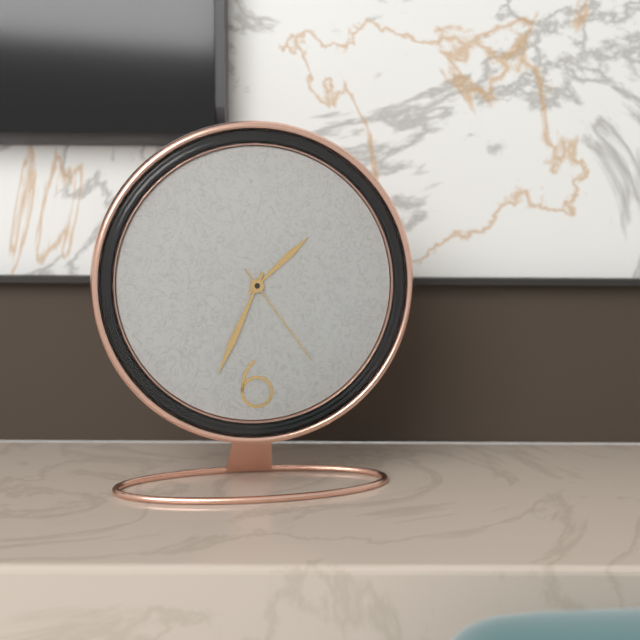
1:34:24
